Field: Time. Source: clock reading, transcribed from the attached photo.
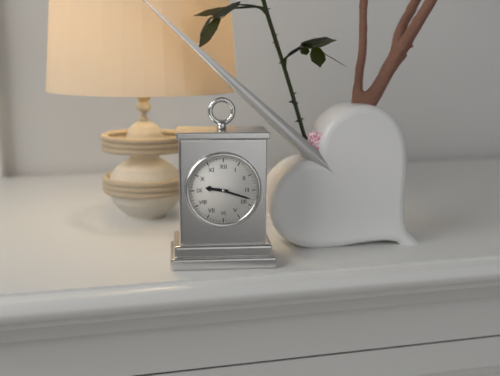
9:18
